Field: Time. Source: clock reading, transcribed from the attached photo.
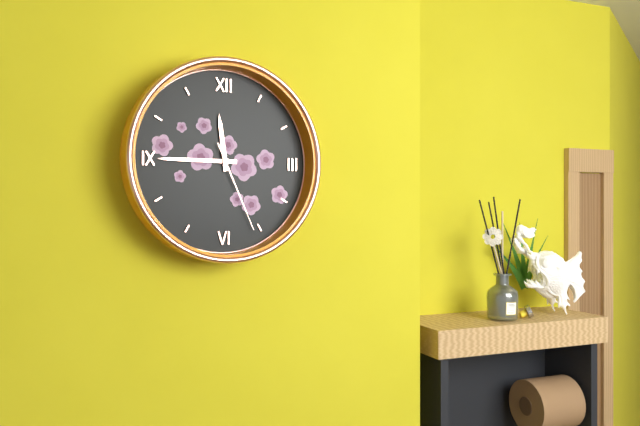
11:45:26
